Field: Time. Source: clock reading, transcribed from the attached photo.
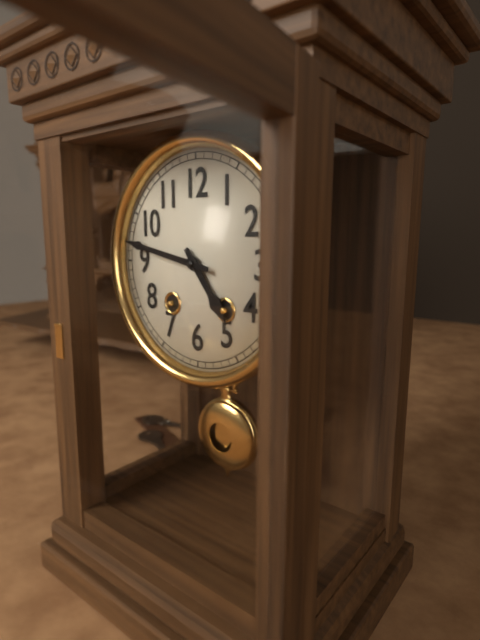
4:47
